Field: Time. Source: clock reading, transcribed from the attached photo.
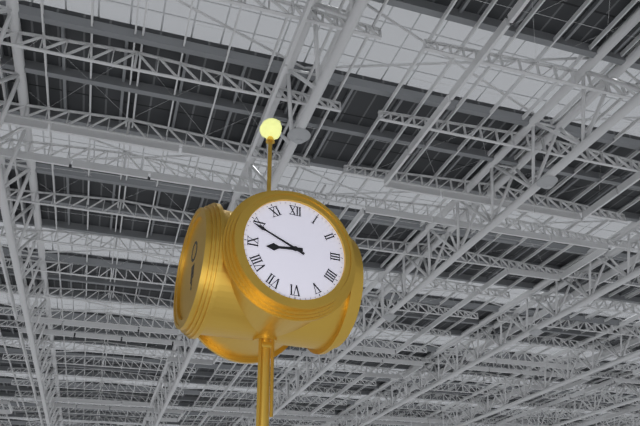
8:49
